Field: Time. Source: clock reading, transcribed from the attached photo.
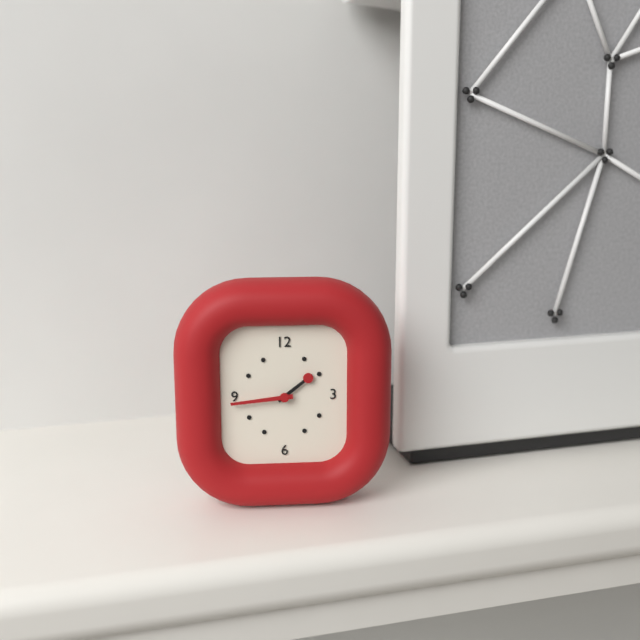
1:44
